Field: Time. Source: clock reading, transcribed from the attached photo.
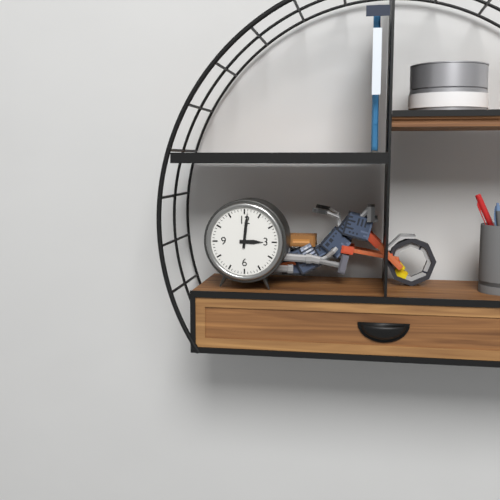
3:01
